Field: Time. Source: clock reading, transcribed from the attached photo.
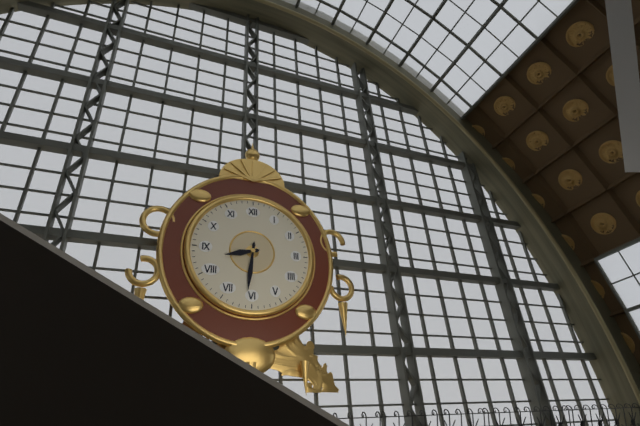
8:31
